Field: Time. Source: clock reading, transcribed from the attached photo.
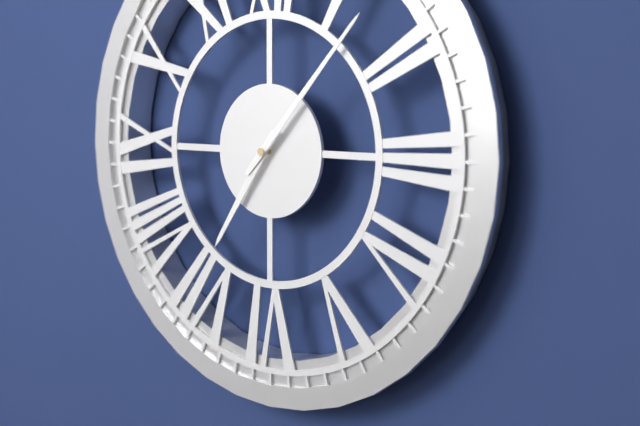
7:07
